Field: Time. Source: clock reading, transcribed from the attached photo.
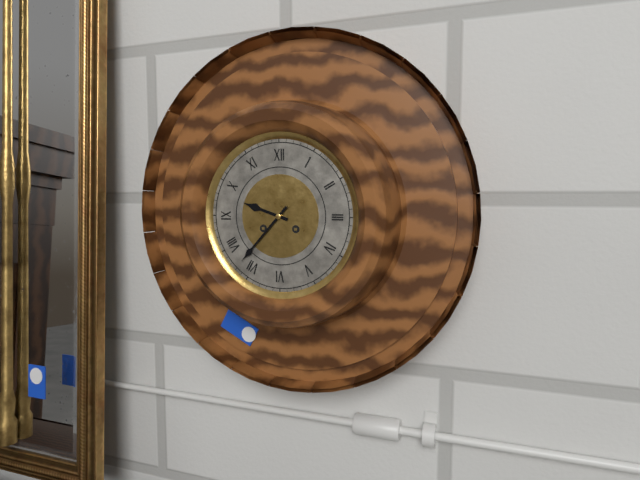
9:37
